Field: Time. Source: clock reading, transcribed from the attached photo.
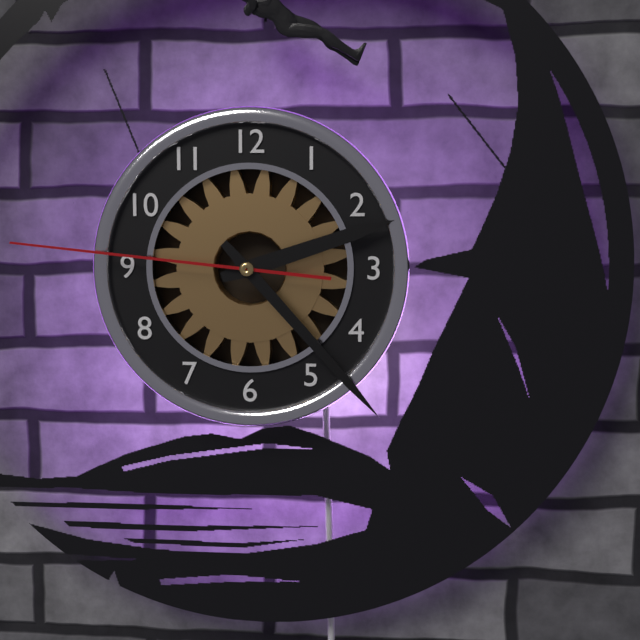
2:23:46
